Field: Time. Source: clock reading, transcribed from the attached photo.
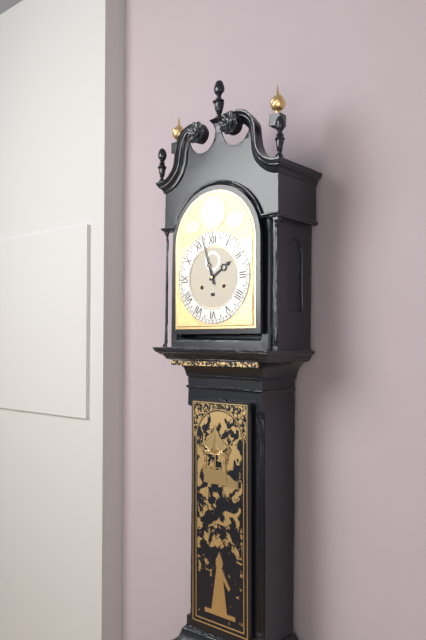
1:57
